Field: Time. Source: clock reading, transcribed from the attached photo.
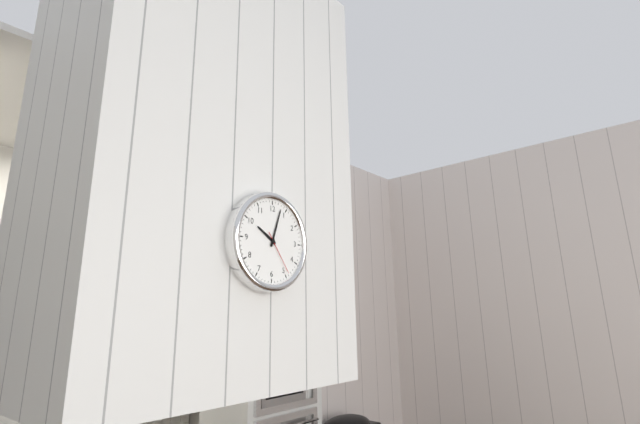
10:03
